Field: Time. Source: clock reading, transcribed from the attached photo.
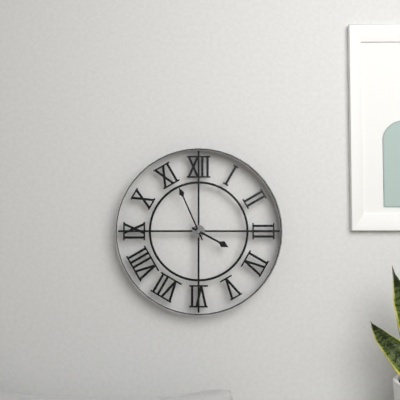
3:56
